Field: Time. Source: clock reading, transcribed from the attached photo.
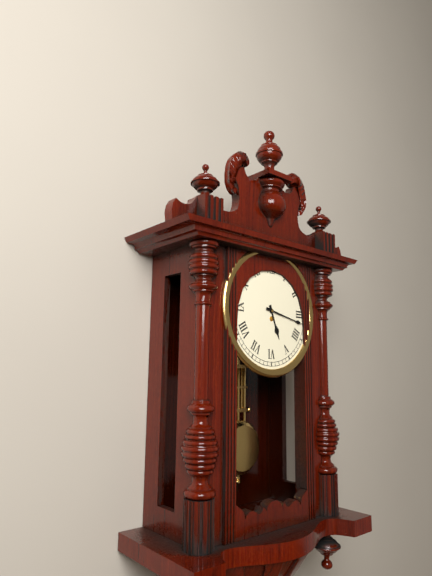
5:17
